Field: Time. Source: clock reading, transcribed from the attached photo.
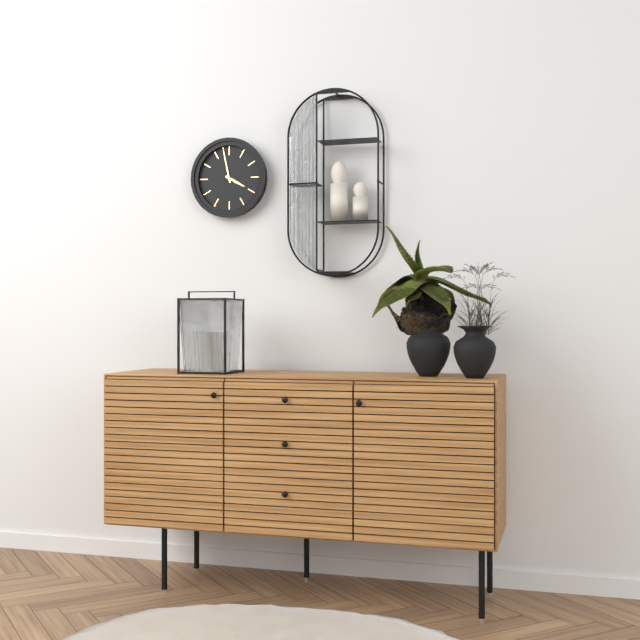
3:58
